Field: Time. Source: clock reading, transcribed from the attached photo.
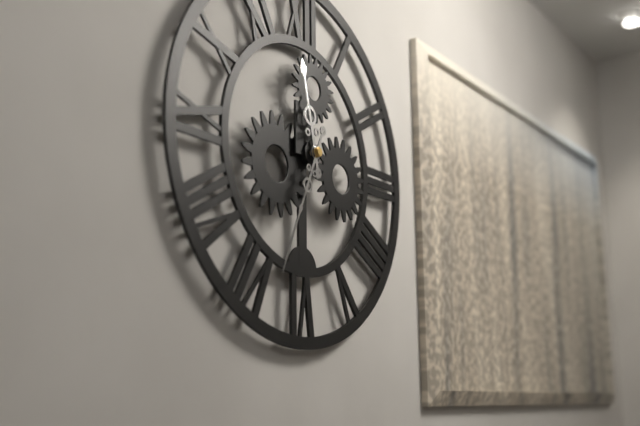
11:34
